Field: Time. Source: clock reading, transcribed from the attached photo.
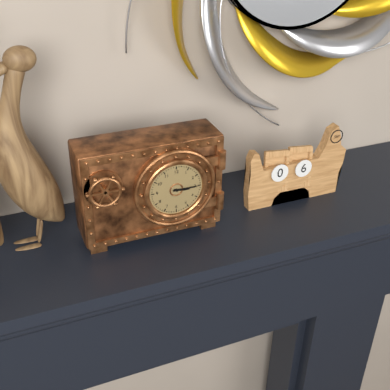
3:15
